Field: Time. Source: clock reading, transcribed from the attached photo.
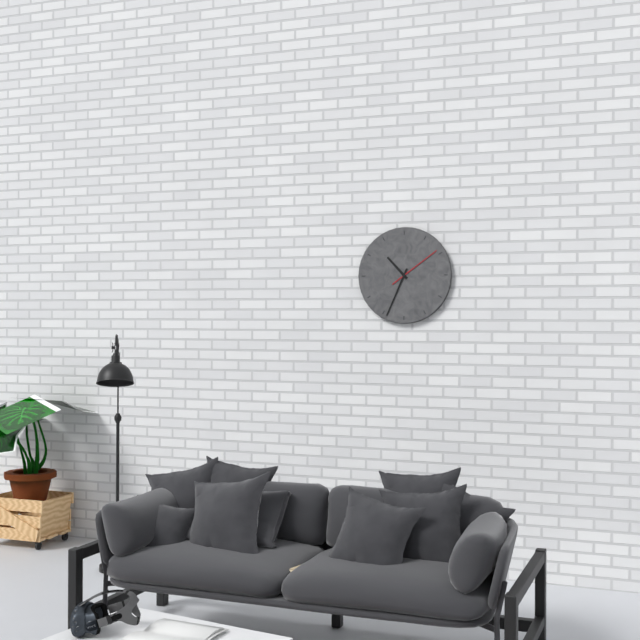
10:34:09
